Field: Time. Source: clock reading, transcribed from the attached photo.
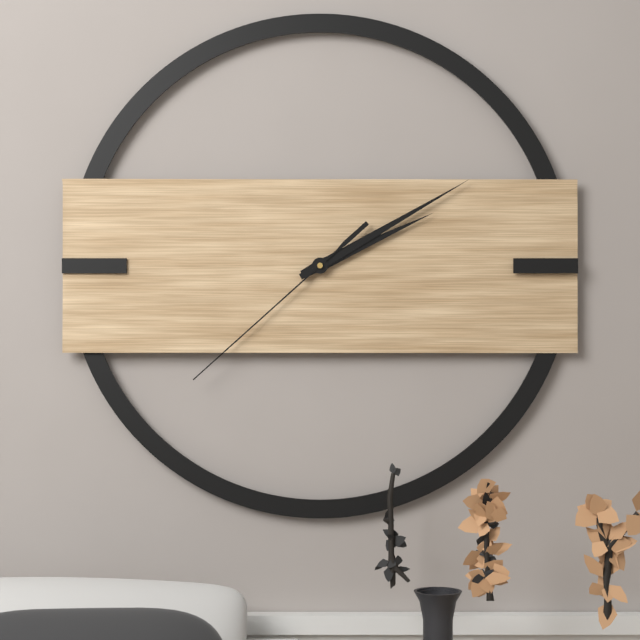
2:10:38
